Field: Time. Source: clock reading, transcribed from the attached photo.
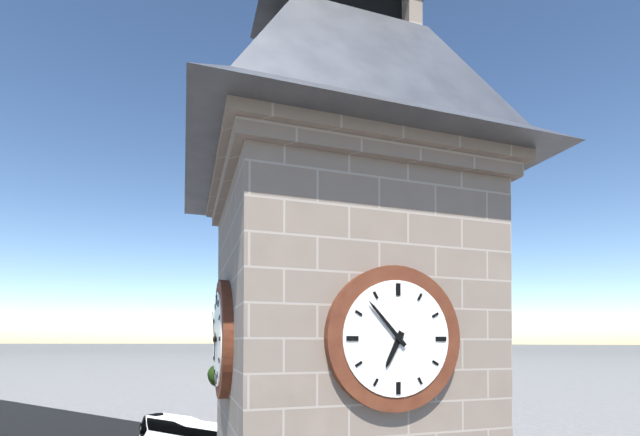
6:53
